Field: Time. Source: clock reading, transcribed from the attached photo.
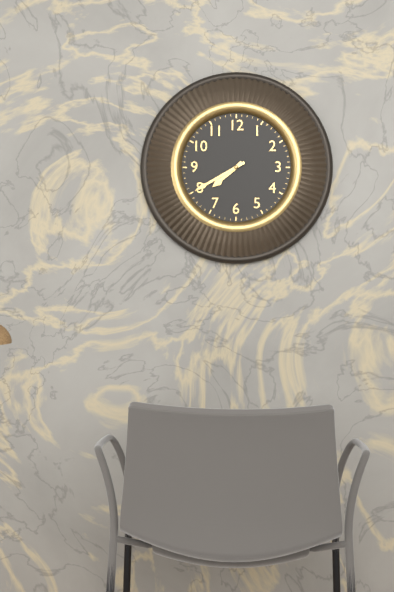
7:40
